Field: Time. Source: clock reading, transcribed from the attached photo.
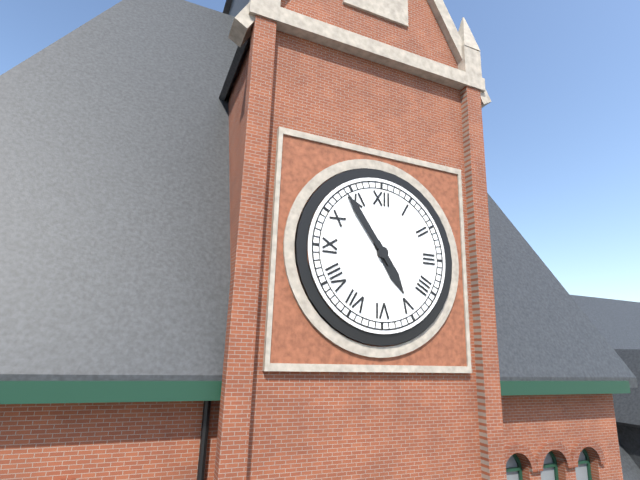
4:54
